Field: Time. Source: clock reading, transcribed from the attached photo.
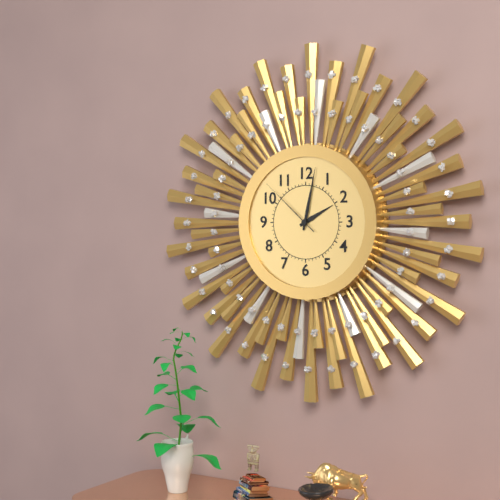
2:02:52
